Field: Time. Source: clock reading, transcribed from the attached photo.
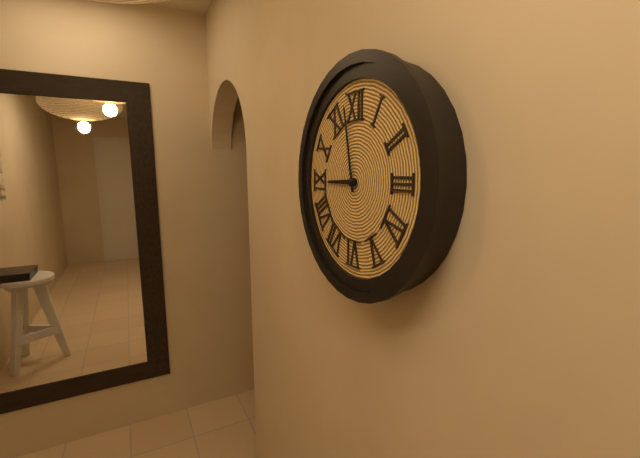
8:58
